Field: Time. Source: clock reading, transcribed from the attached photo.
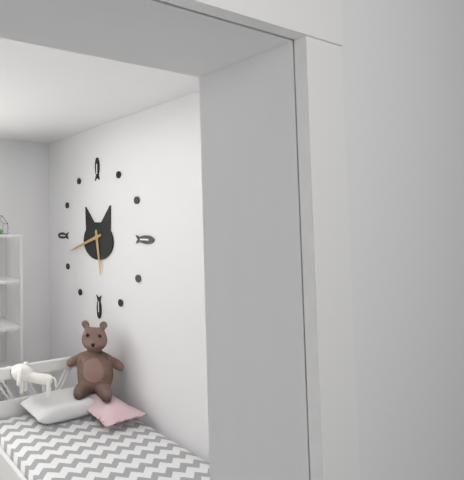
5:42
